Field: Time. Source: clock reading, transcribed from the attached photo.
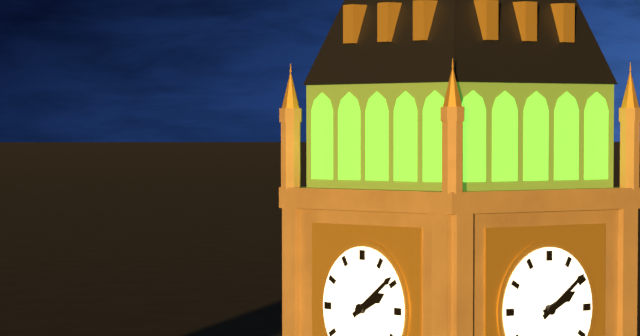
2:09
